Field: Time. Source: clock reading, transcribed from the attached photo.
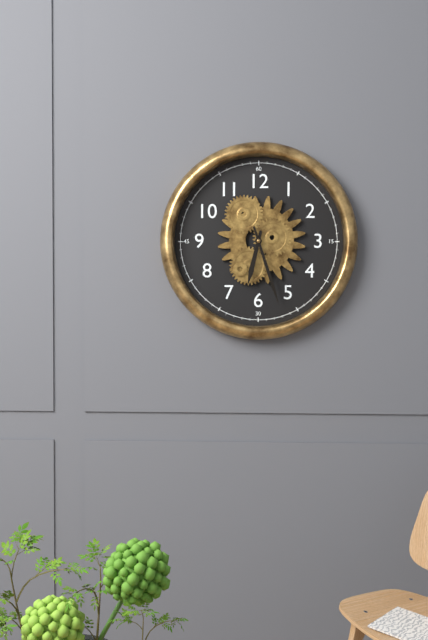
6:27
